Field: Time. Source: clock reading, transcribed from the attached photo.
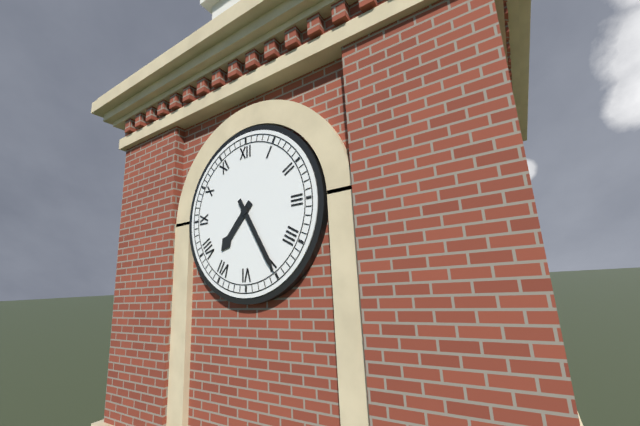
7:25
